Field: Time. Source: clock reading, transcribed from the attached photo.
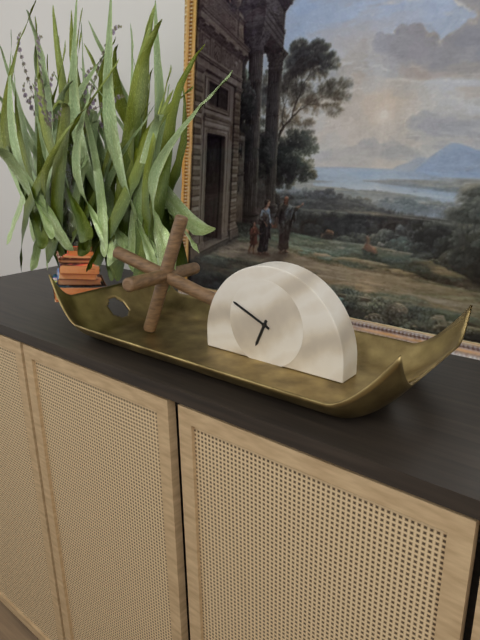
6:49
